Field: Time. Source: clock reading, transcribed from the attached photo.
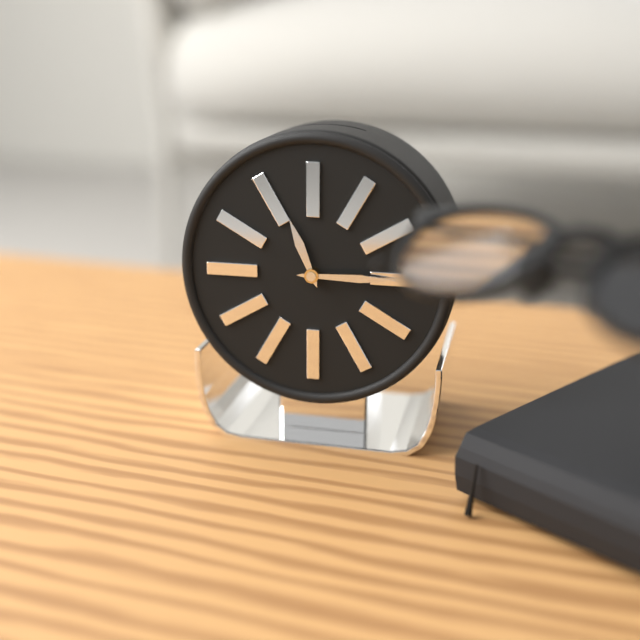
11:15
